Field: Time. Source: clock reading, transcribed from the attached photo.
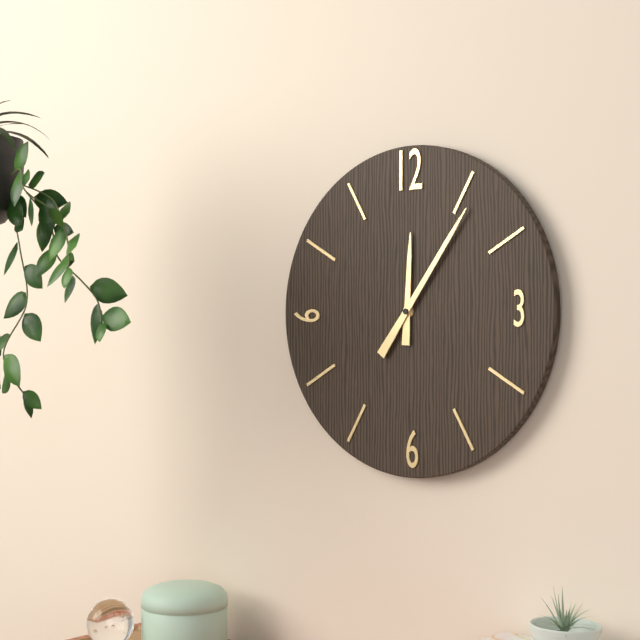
12:06
